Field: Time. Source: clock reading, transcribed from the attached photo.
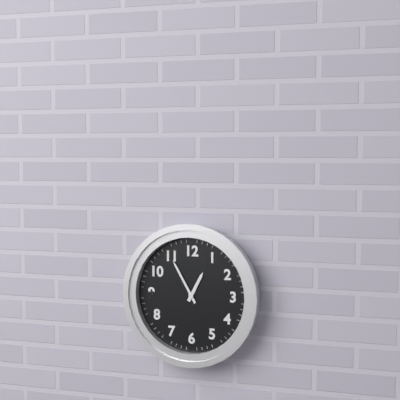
12:55
